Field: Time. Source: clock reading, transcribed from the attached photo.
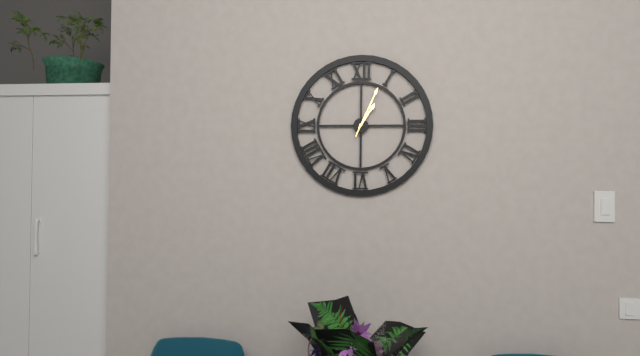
1:04
